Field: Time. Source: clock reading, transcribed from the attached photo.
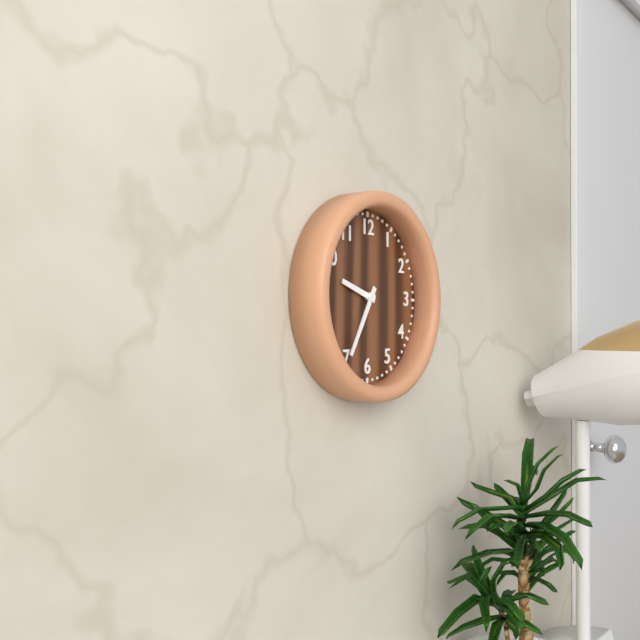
9:35
